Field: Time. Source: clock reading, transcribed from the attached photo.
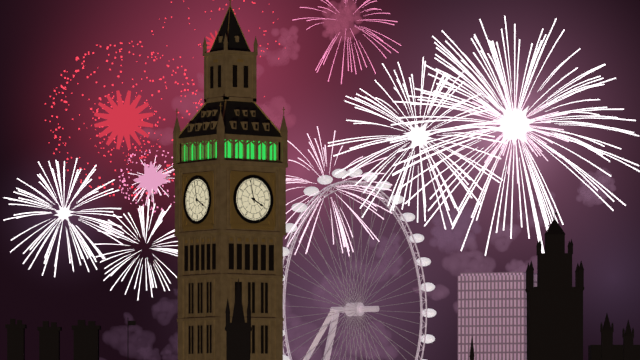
3:58
